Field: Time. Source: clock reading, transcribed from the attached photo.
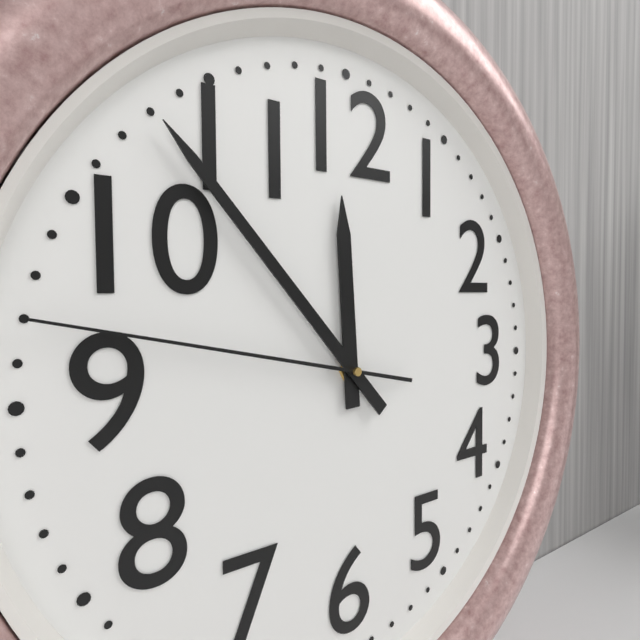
11:53:47
